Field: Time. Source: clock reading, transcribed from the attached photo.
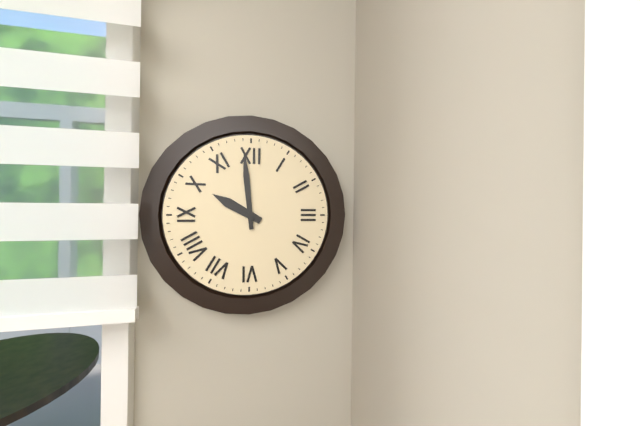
9:59
